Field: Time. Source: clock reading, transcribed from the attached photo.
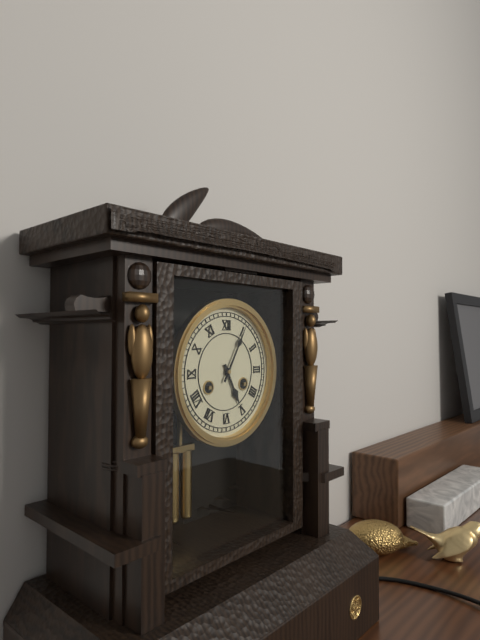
5:05
